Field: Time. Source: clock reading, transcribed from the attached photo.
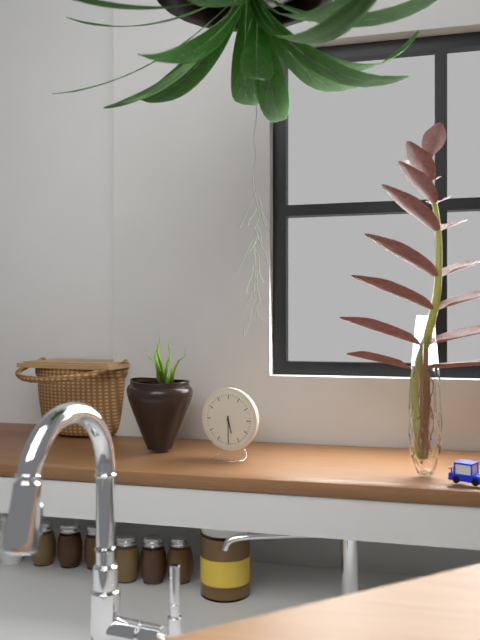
5:30
